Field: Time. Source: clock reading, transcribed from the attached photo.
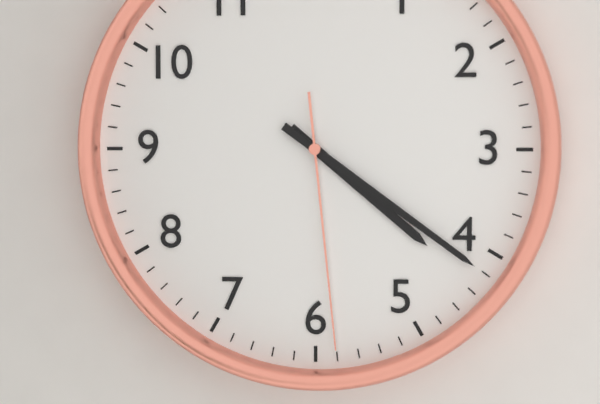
4:21:29
